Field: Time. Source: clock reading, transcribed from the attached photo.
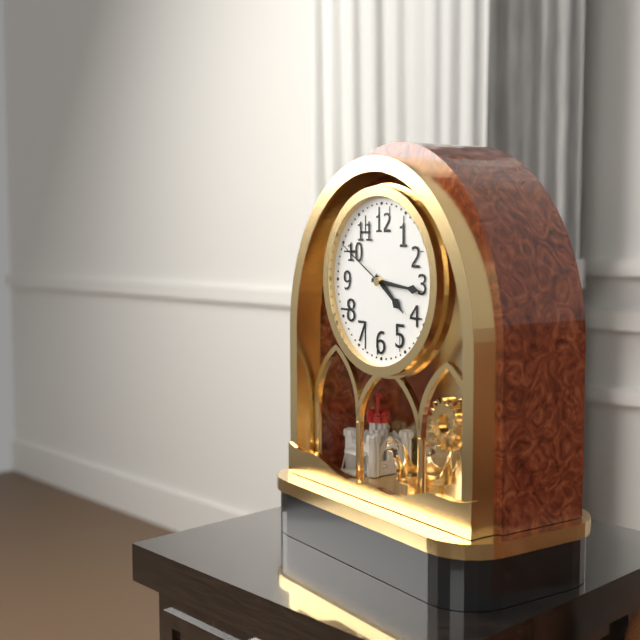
4:16:50
